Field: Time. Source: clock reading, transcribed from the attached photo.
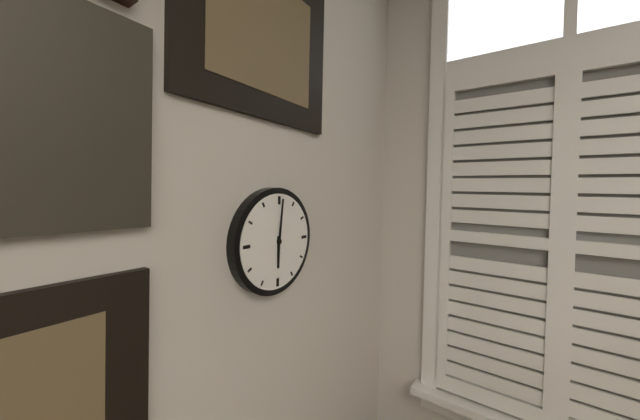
6:01
